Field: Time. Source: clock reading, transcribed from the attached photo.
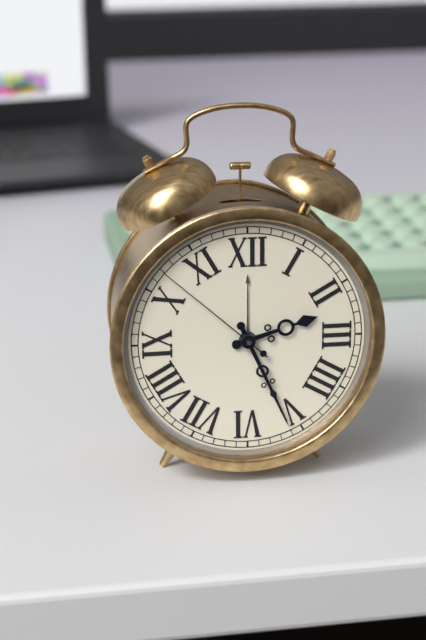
2:26:52
